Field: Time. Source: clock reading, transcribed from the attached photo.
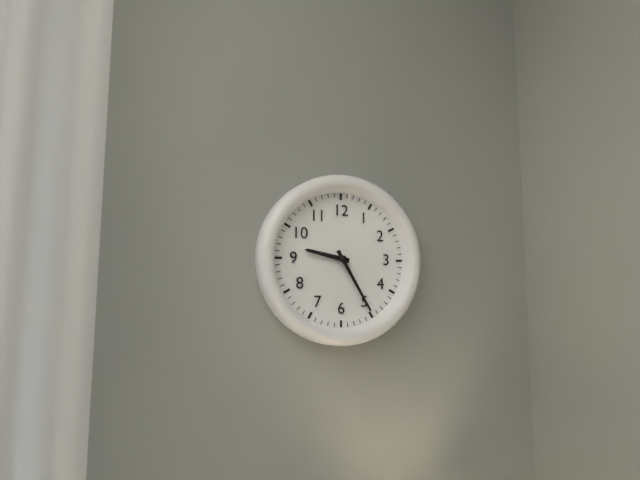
9:25
